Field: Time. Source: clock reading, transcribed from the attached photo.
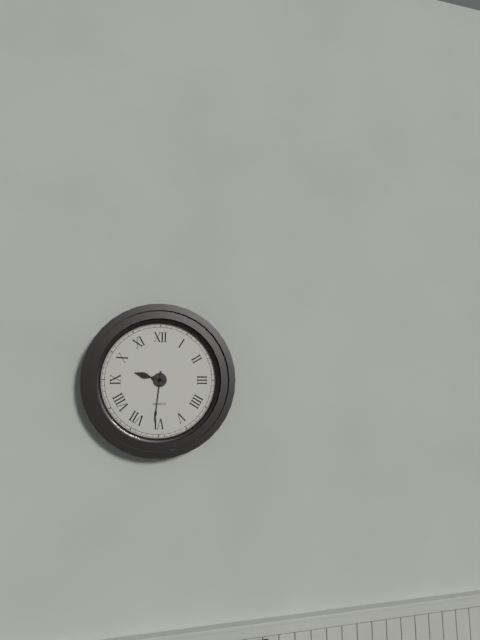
9:31
